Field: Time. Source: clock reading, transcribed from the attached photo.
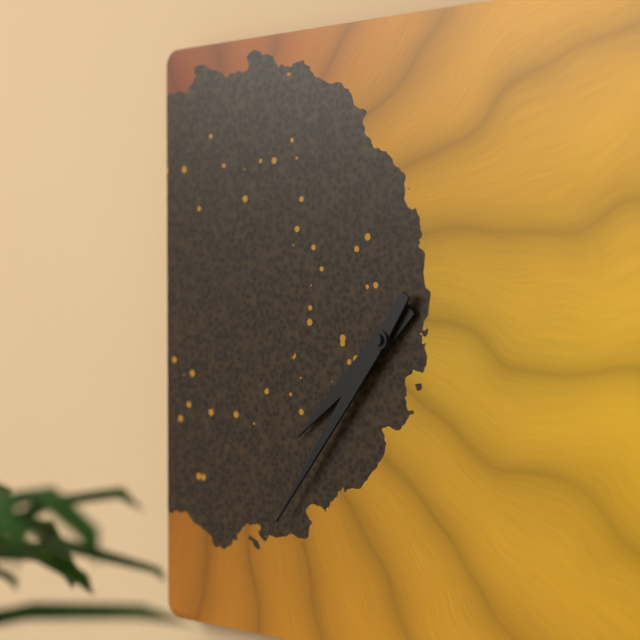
7:36
